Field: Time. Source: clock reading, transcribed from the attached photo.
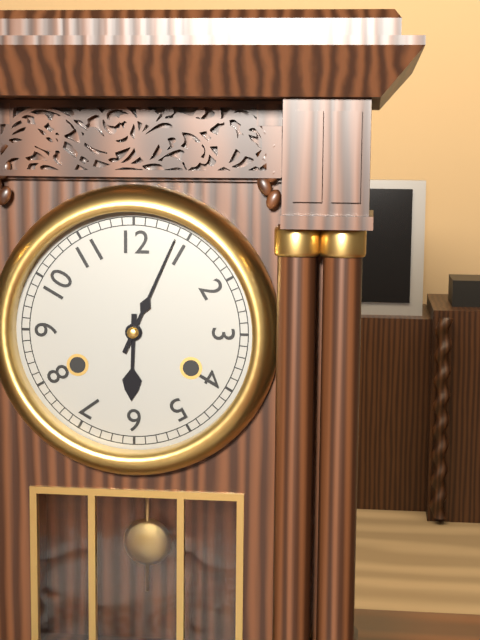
6:04
